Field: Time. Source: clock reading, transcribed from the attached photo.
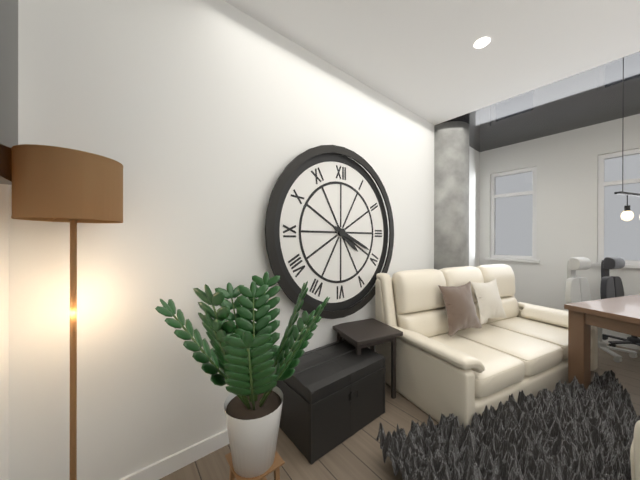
4:19
